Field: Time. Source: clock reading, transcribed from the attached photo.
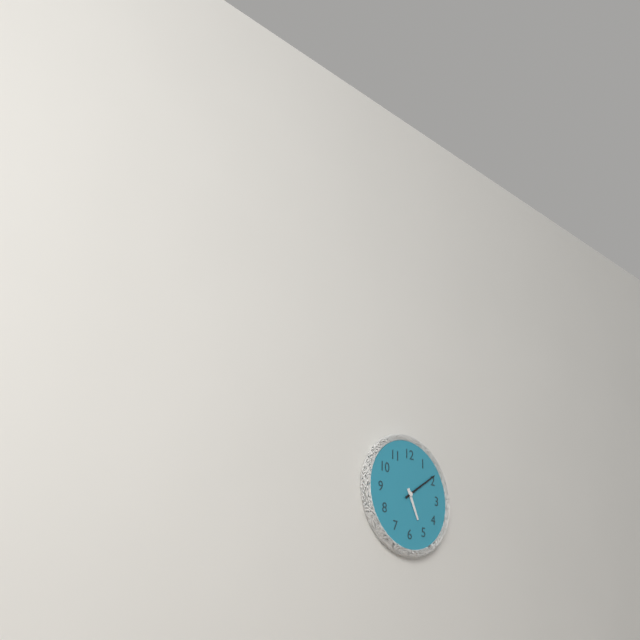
5:09
